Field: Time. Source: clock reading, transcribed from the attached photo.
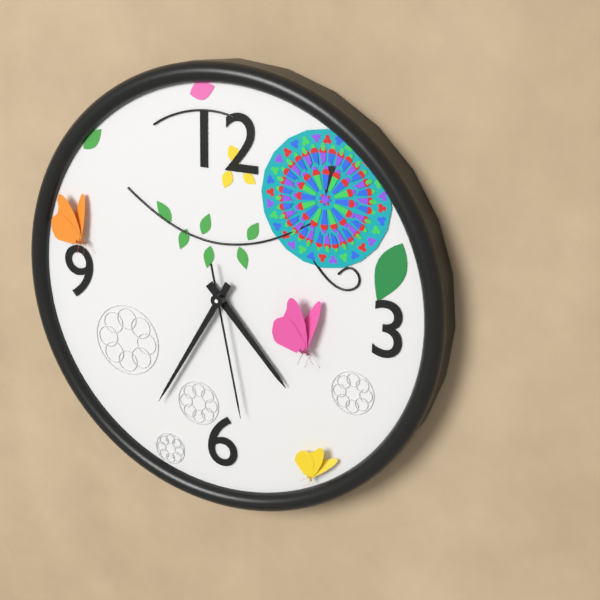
4:35:28
